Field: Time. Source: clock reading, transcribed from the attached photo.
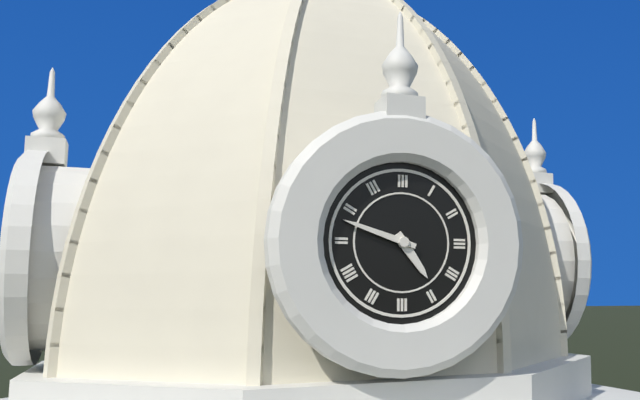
4:48
